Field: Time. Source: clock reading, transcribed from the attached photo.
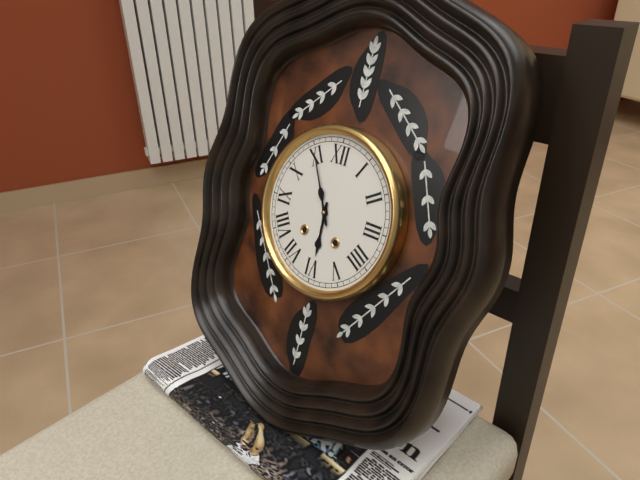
5:55
